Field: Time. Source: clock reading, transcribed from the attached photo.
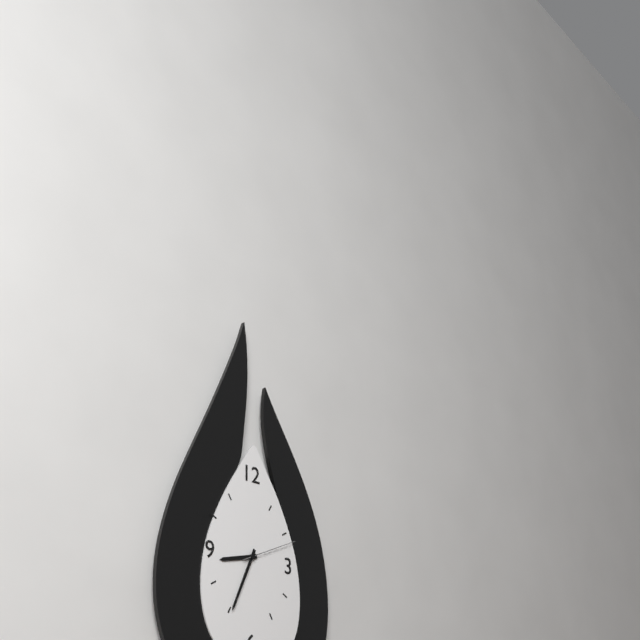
8:34:11
